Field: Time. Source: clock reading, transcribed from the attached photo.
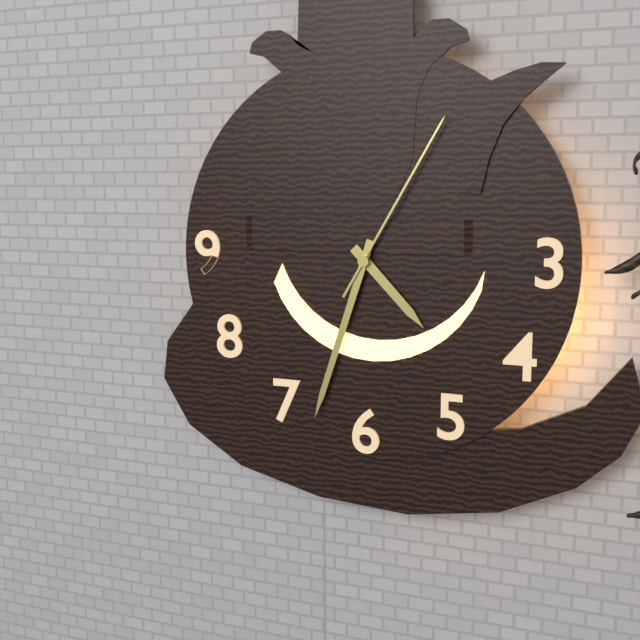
4:33:05
